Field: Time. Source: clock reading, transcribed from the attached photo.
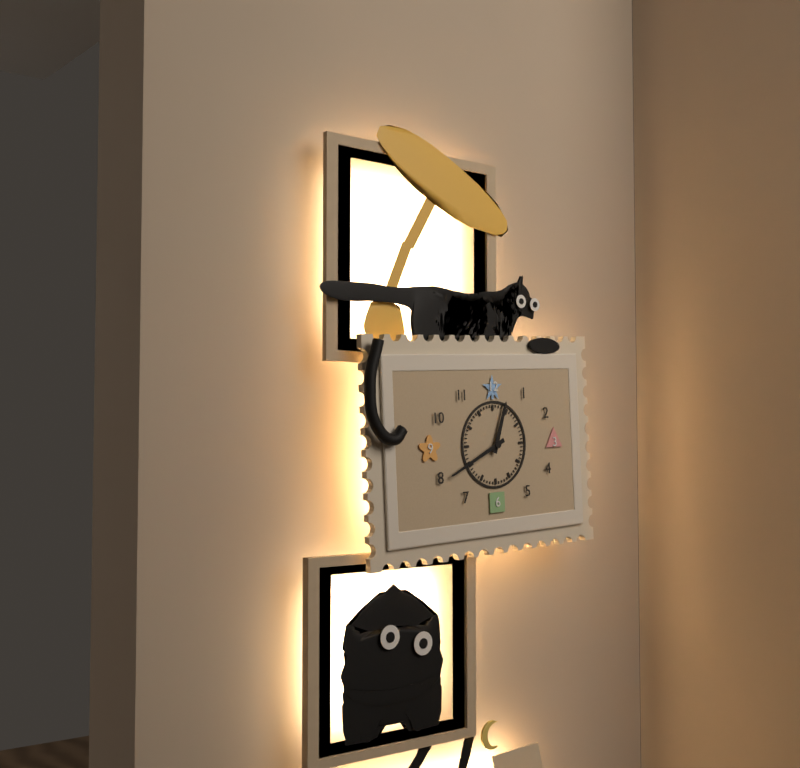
12:41
